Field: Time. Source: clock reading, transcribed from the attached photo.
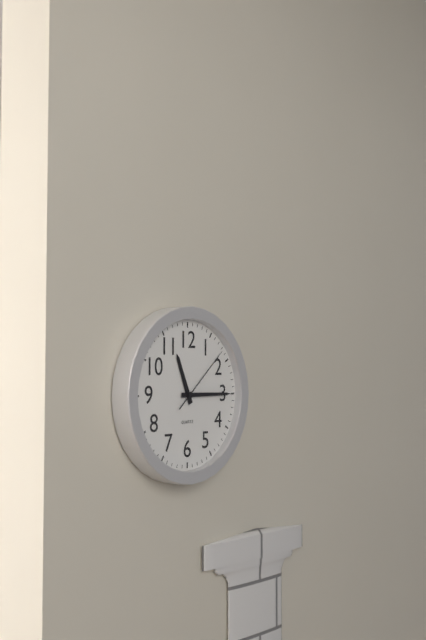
11:15:08
